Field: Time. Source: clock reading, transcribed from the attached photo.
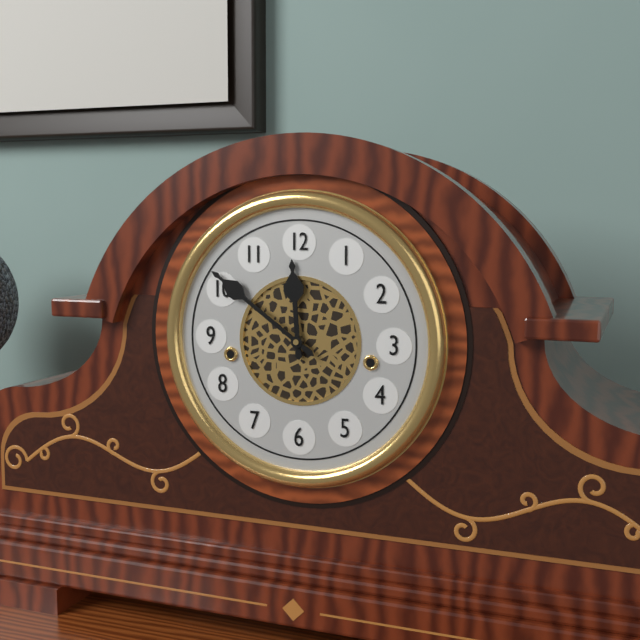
11:51
